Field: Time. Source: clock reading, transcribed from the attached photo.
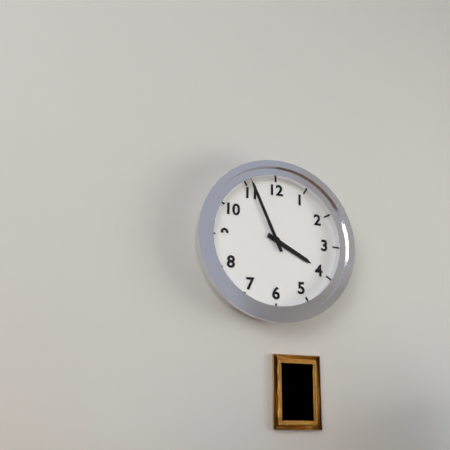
3:56
